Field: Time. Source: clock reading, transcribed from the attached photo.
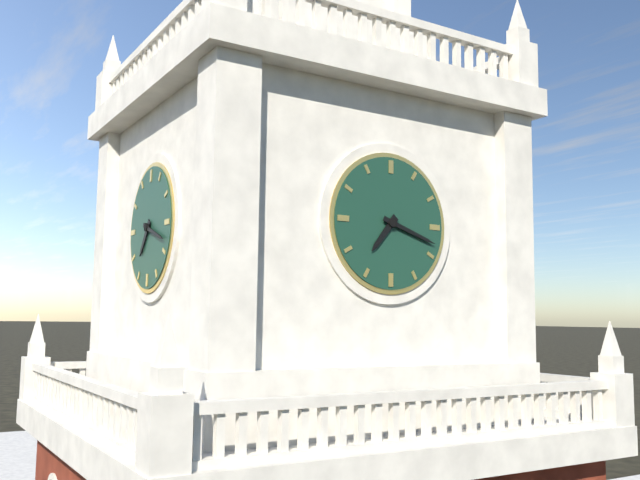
7:18
